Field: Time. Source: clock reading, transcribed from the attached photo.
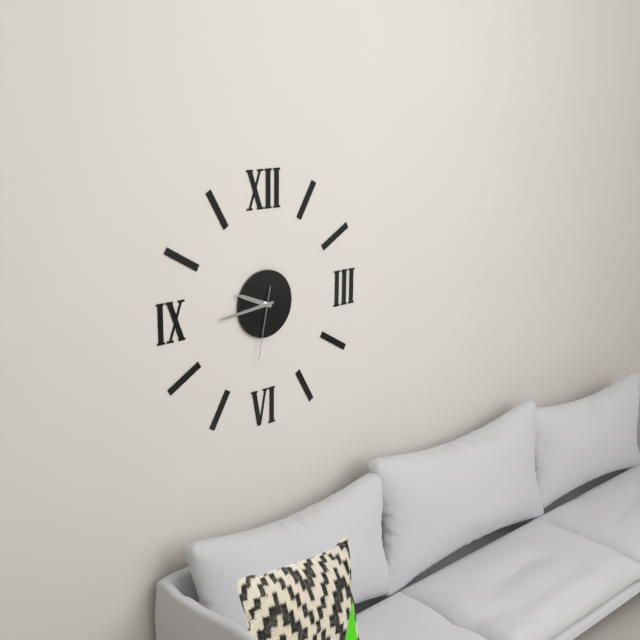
9:44:32
